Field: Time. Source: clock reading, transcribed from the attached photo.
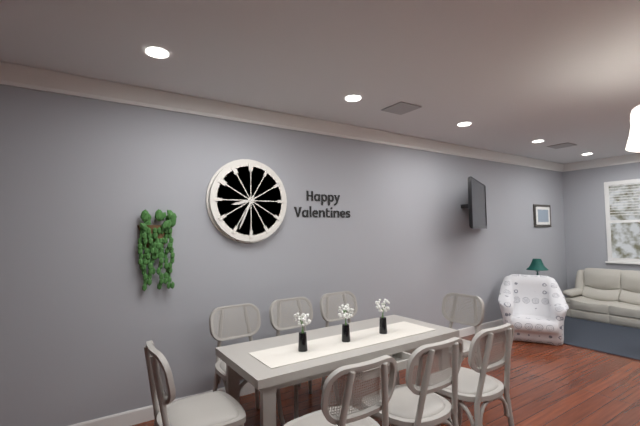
8:34
